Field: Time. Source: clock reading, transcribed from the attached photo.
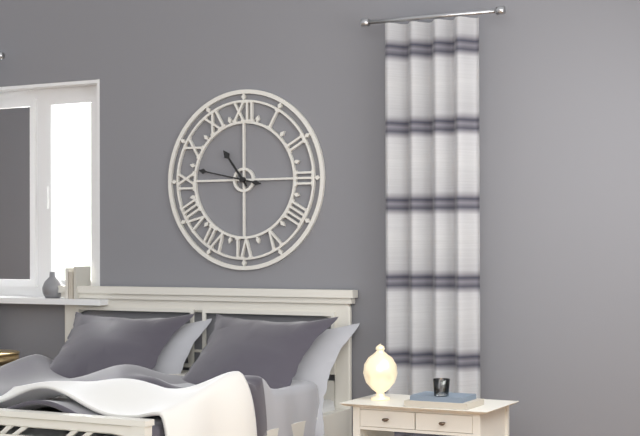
10:47
